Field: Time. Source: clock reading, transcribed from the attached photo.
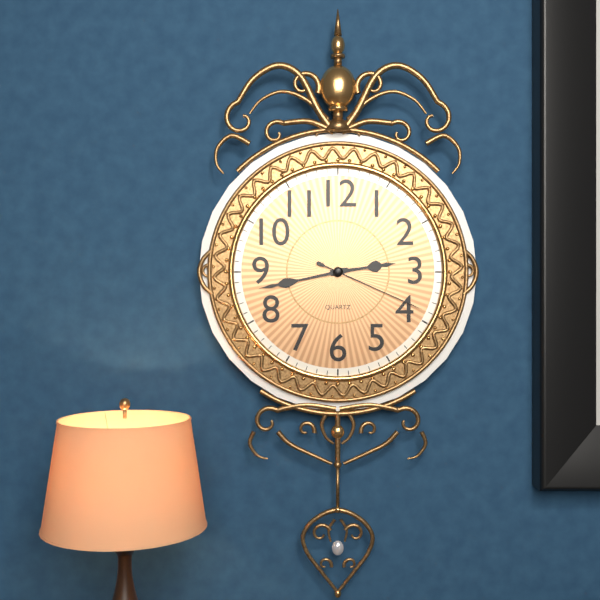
2:43:19
